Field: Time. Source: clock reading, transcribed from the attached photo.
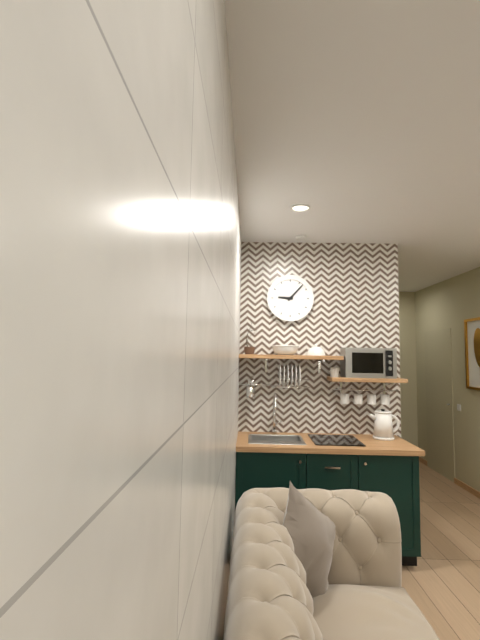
9:07
